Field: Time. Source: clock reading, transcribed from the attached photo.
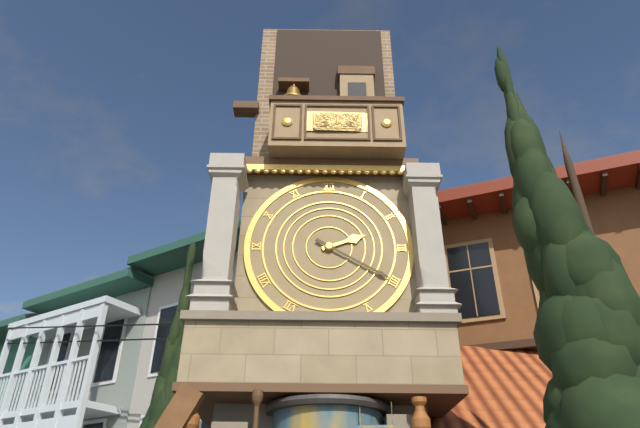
2:20
